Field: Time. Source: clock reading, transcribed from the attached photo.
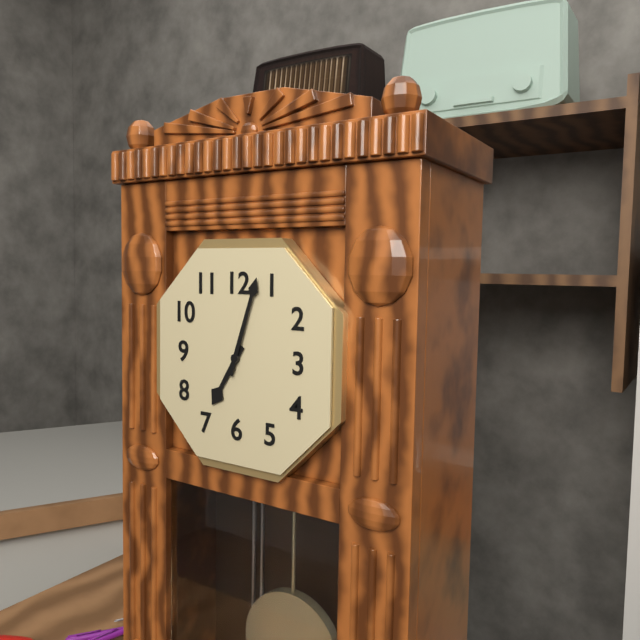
7:03
